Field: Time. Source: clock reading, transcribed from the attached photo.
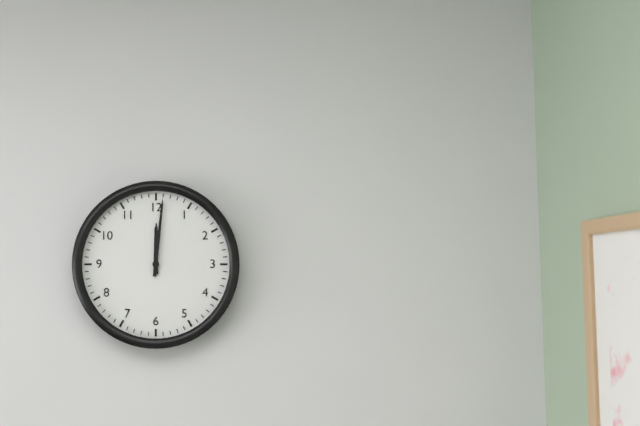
12:01
